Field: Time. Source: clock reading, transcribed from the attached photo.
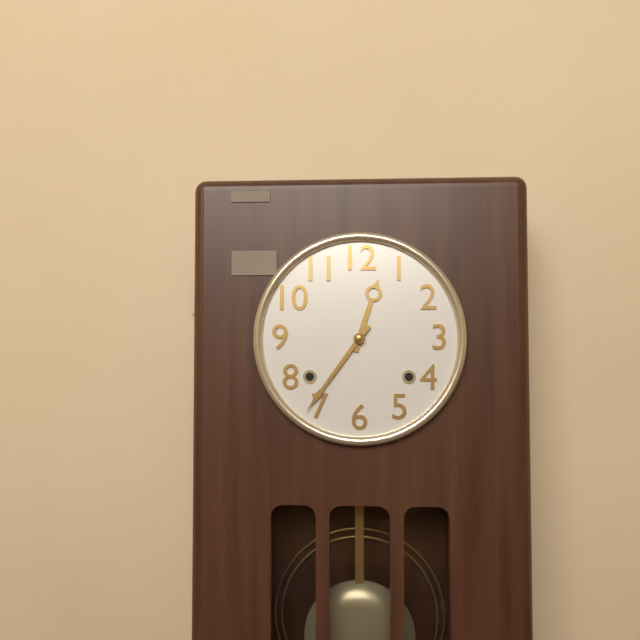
12:36
